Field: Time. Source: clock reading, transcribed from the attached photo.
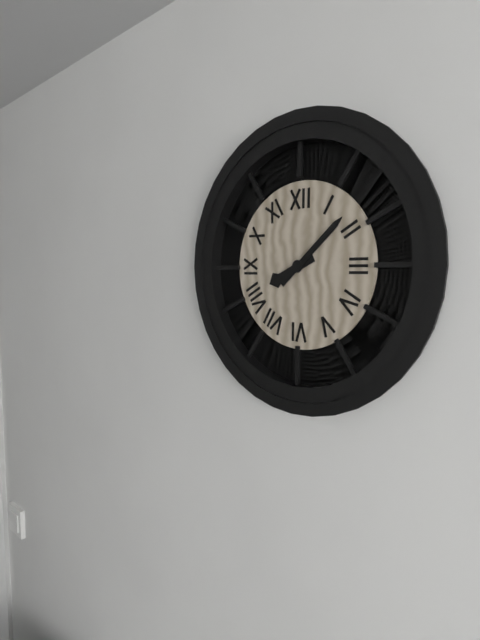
8:08
